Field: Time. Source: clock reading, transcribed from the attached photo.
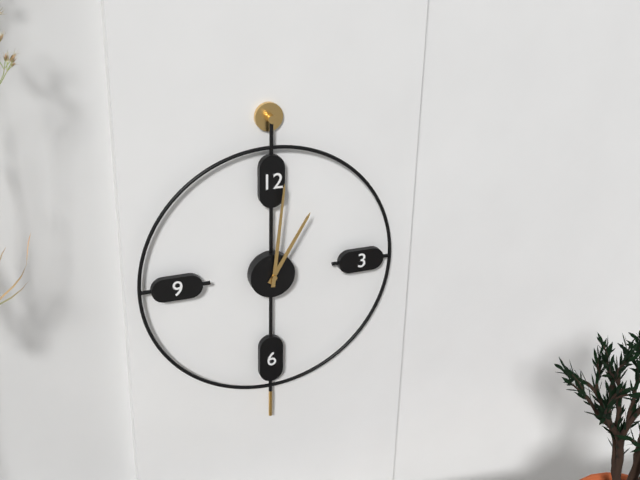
1:01
